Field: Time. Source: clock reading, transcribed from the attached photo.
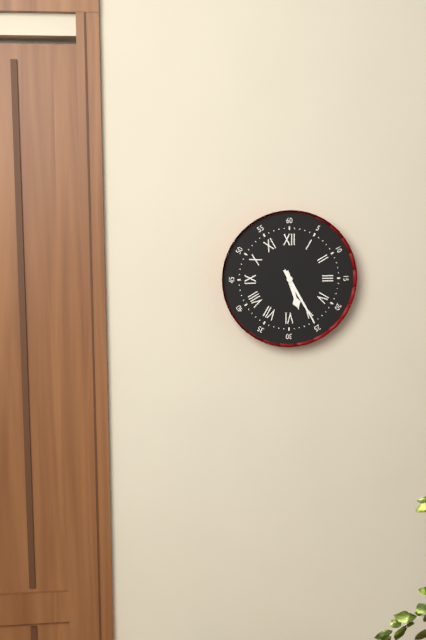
5:25
